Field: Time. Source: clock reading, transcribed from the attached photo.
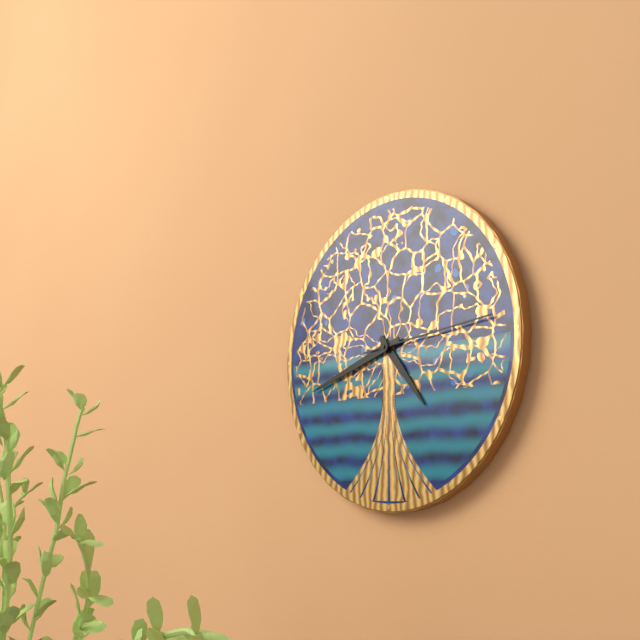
4:42:14
